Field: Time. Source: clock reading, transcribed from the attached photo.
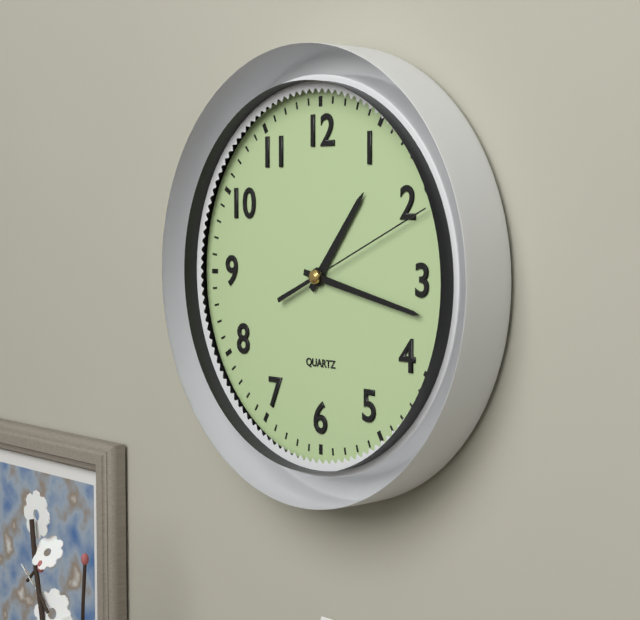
1:17:11
